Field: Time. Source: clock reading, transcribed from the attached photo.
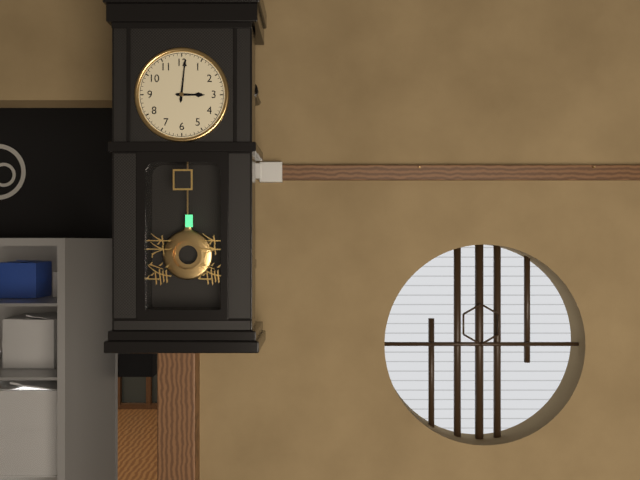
3:01
